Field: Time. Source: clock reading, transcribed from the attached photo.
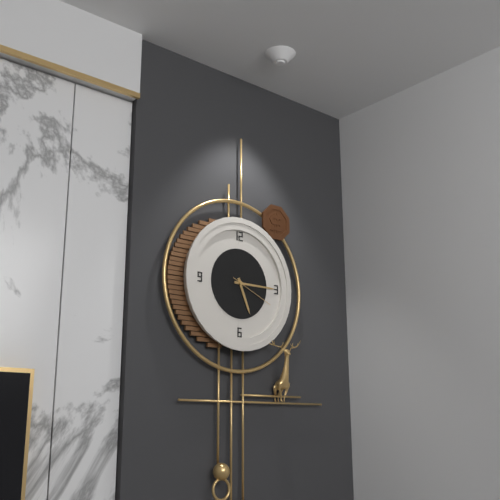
5:15
